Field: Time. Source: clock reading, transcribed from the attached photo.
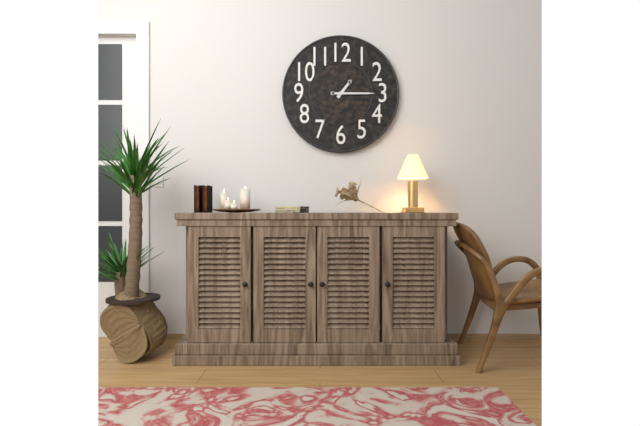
1:15
